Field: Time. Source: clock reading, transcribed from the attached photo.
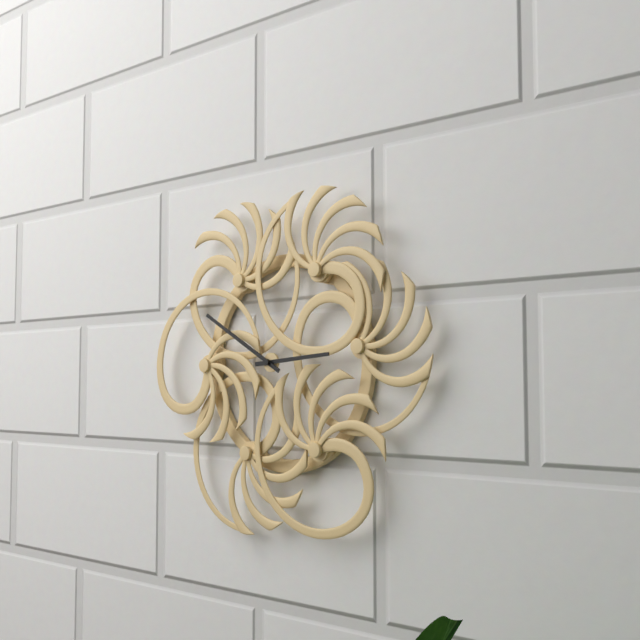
2:50
